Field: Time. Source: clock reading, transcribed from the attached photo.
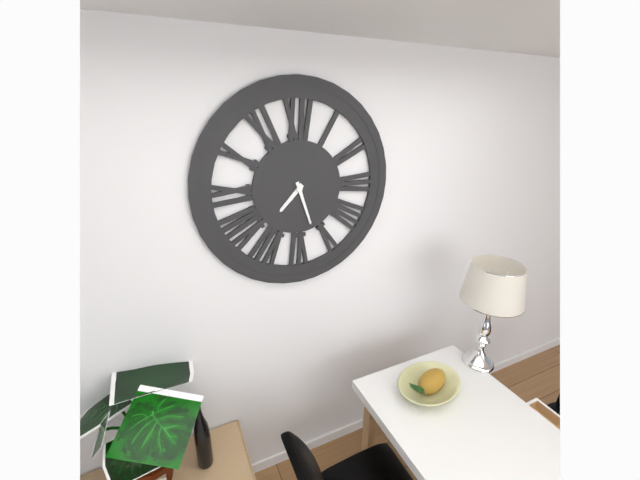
7:27
